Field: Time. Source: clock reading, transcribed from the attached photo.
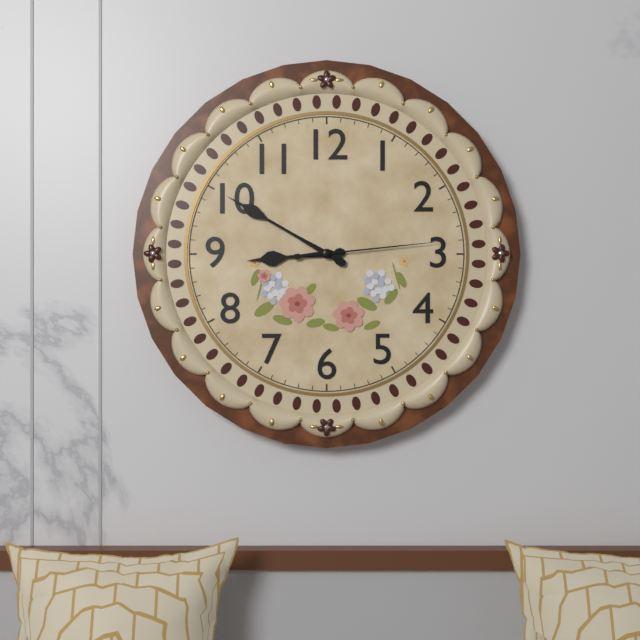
8:50:14
